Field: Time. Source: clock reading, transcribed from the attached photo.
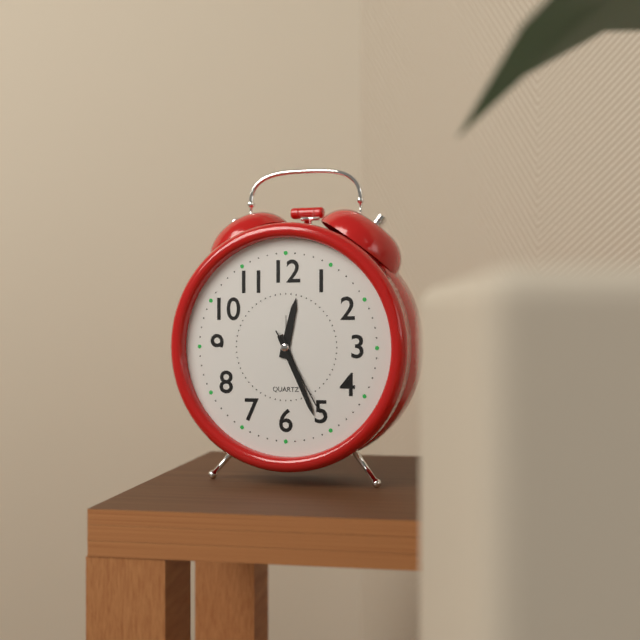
12:26:25
